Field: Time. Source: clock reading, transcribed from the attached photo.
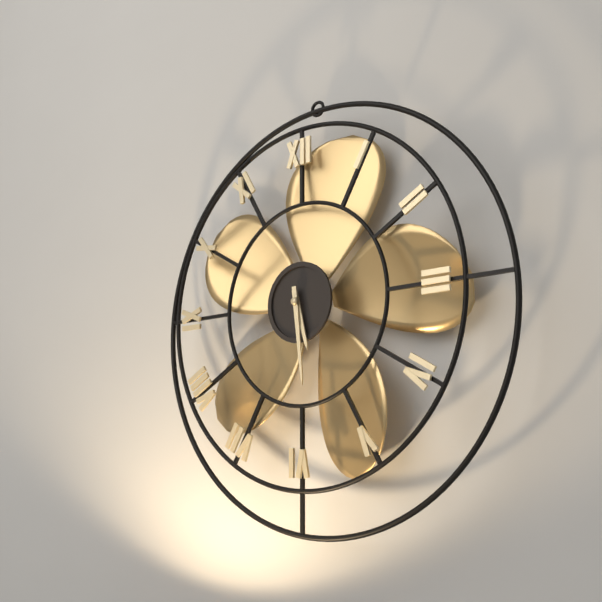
5:29
